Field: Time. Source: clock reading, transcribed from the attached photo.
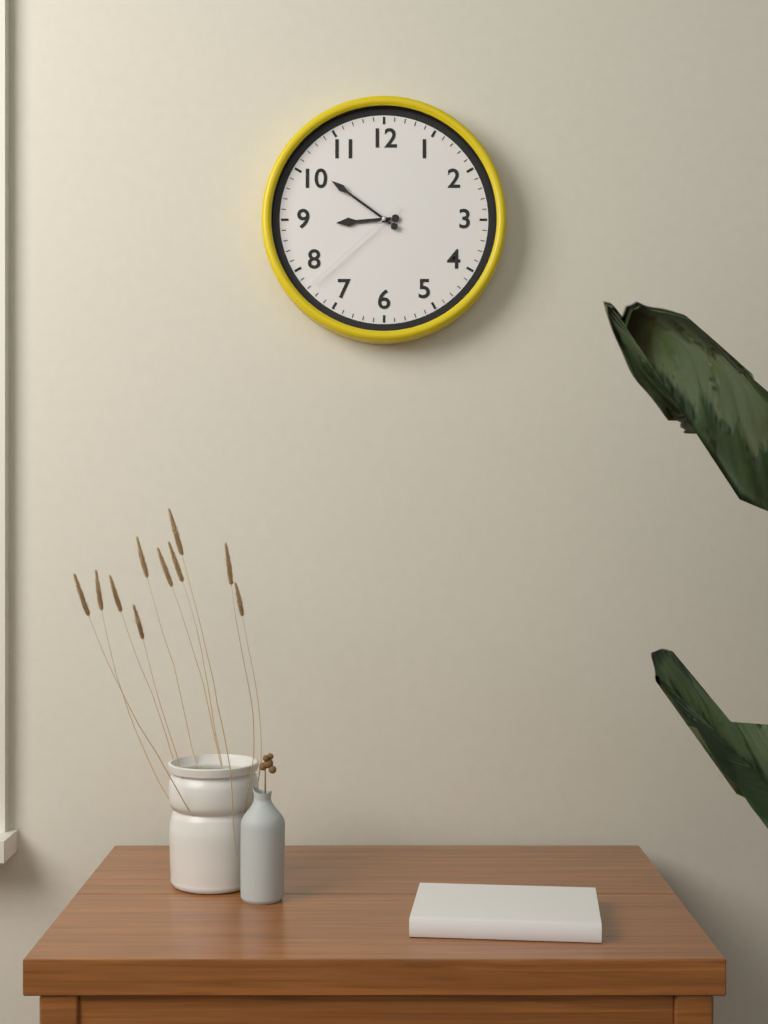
8:51:38
